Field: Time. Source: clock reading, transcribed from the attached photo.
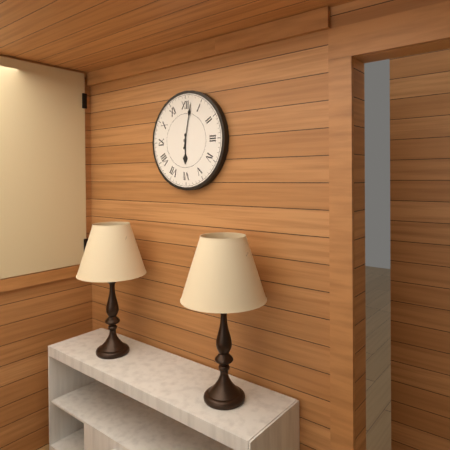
6:02
